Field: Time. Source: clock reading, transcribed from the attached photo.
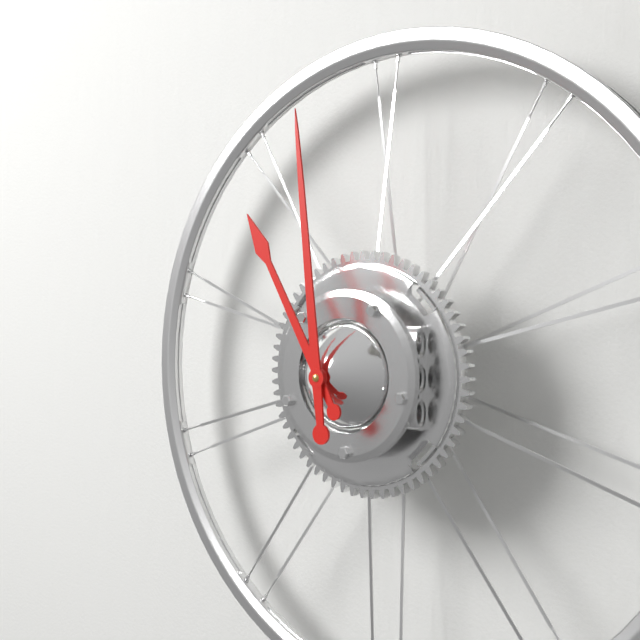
10:59
